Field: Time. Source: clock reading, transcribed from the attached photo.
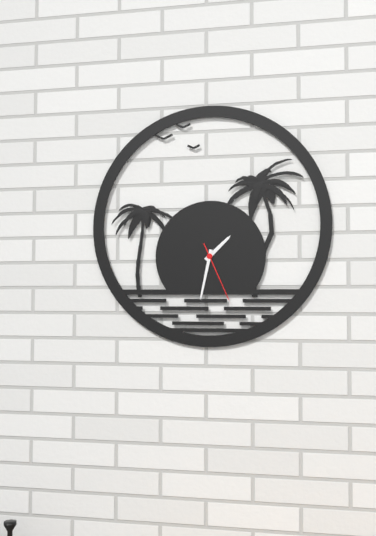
1:32:26
